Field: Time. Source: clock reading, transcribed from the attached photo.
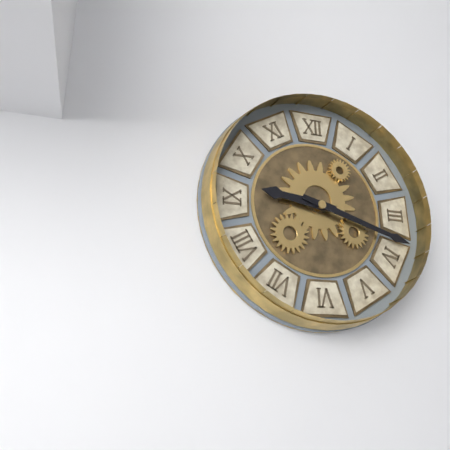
9:18
